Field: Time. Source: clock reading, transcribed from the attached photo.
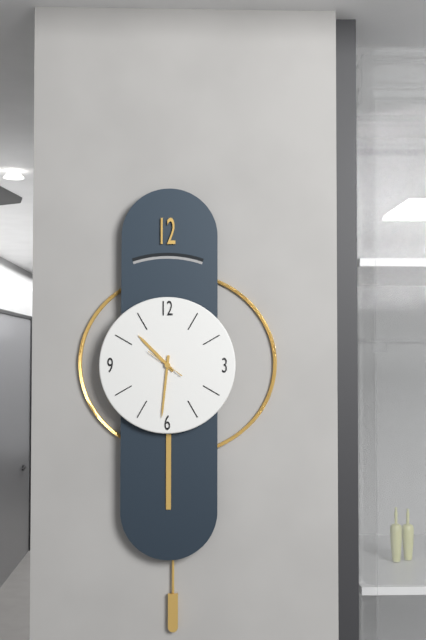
10:31
